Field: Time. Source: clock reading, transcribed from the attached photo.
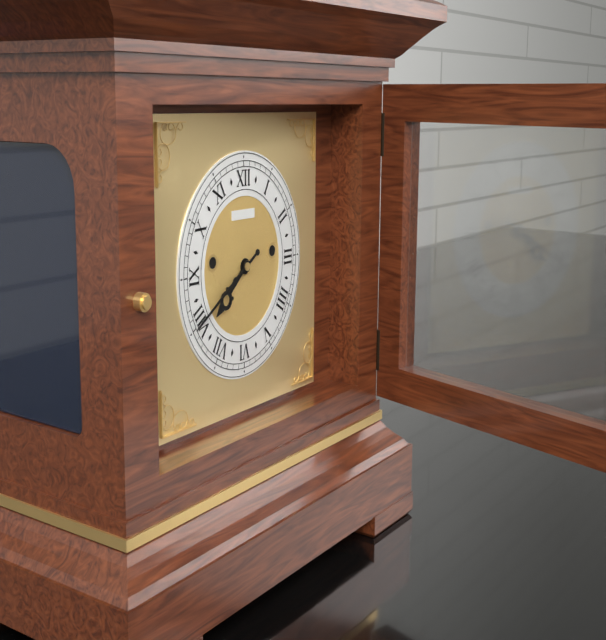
7:40
